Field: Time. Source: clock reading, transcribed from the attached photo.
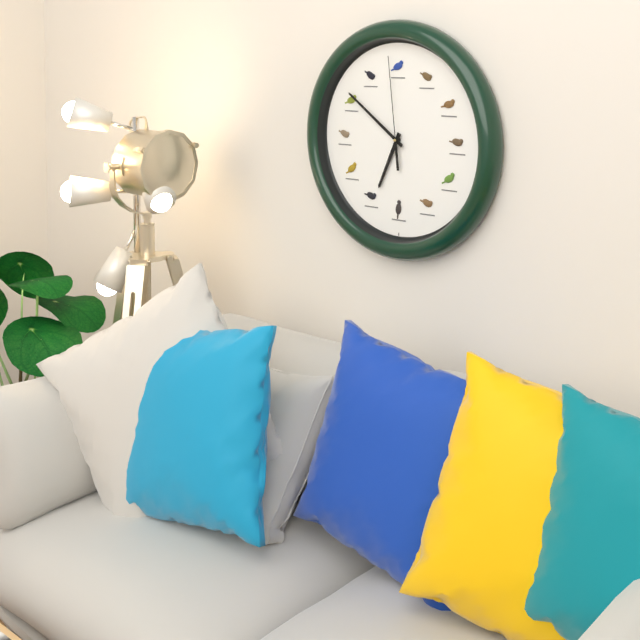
6:51:59
